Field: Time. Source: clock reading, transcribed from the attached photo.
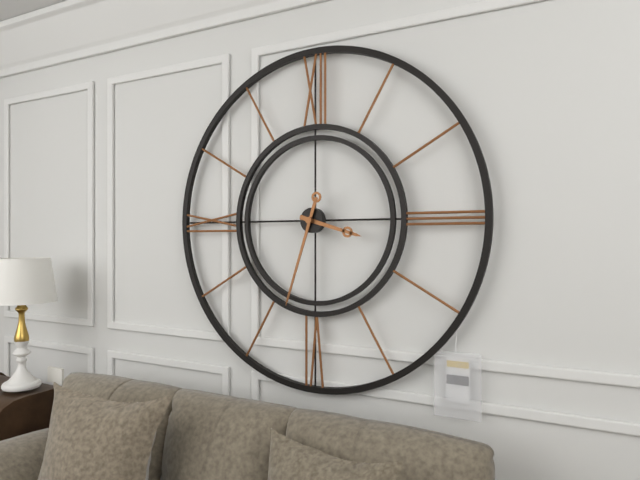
3:33
